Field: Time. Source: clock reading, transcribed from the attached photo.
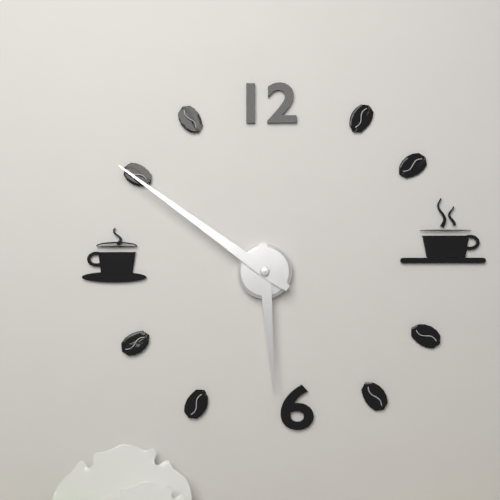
5:51
